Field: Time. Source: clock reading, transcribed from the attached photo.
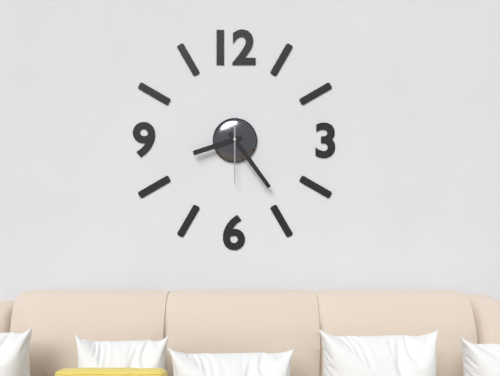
8:24:30
